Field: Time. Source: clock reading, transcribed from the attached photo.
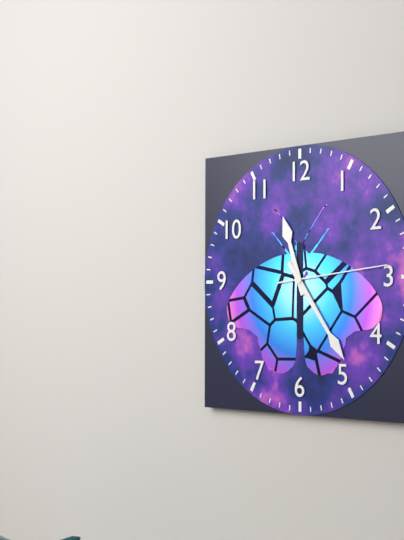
11:24:14
